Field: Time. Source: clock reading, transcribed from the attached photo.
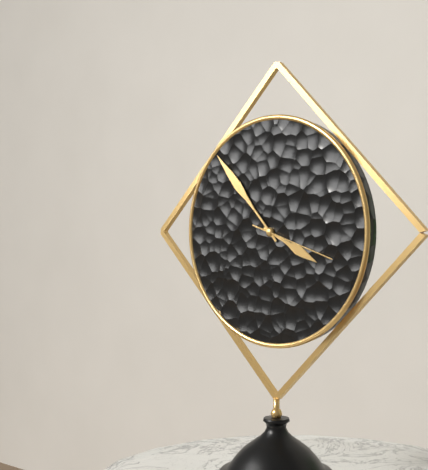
3:53:18
